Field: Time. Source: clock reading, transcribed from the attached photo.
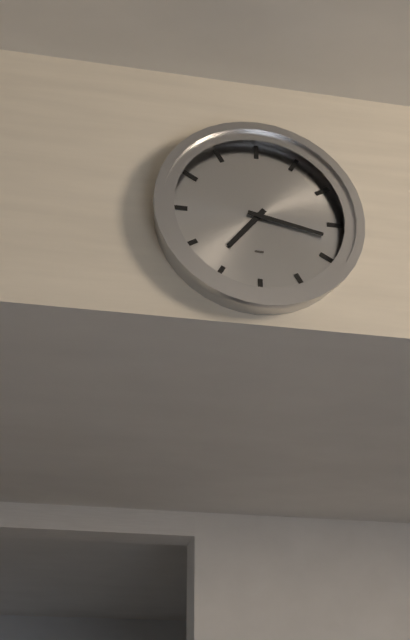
7:17
